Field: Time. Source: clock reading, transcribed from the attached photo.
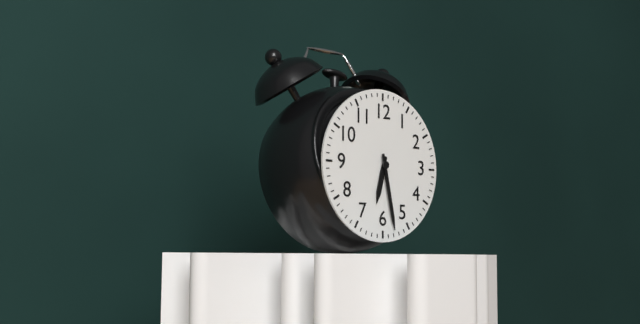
6:28
